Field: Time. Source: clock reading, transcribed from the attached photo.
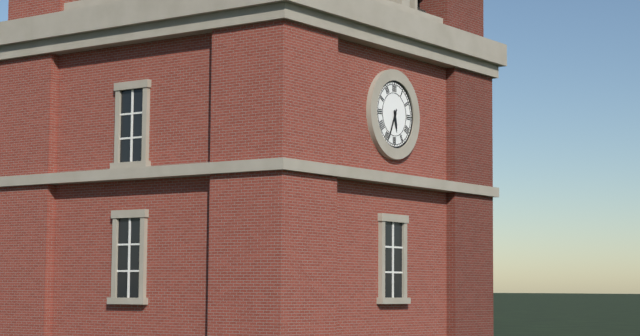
5:34
